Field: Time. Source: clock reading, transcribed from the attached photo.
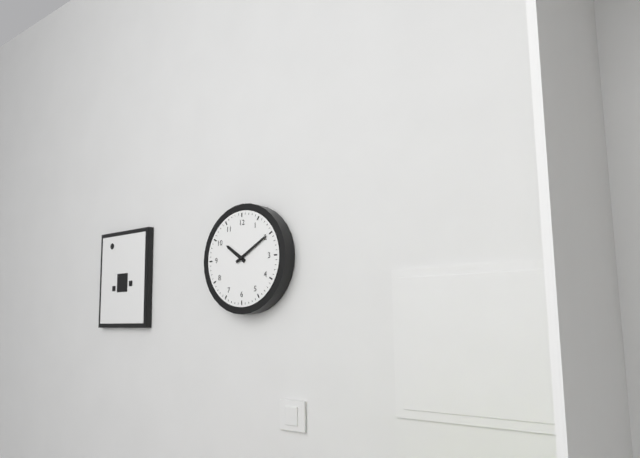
10:10
